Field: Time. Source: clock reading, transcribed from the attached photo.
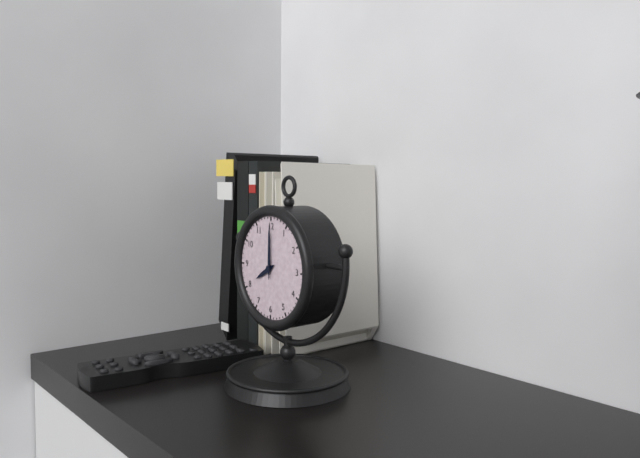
8:00
